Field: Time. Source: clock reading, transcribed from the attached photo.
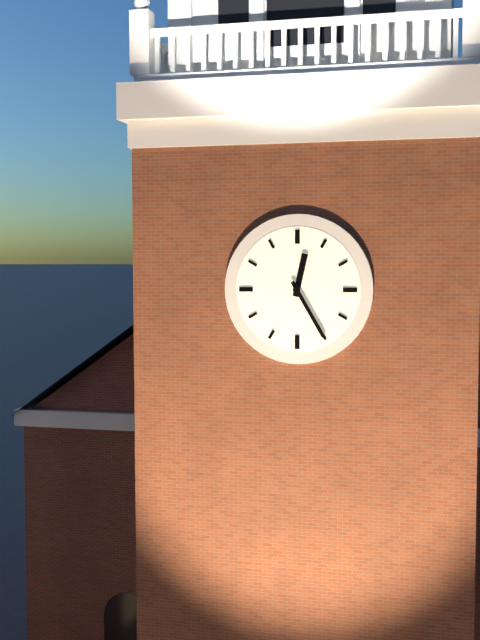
12:25
